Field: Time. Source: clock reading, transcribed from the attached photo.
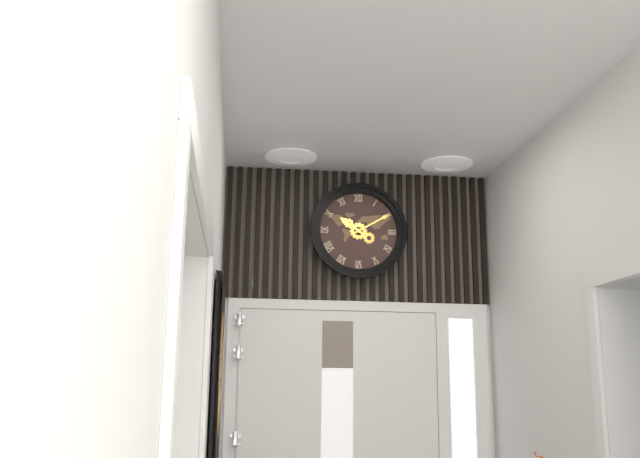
10:10
